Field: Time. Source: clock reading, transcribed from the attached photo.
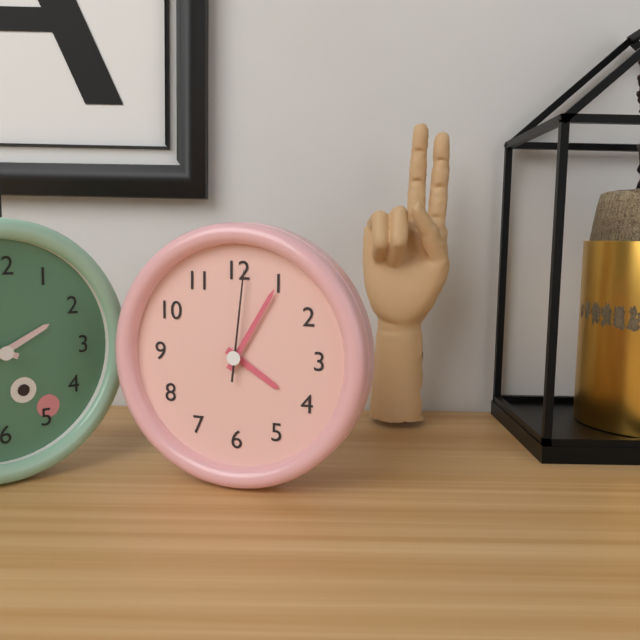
4:05:01
